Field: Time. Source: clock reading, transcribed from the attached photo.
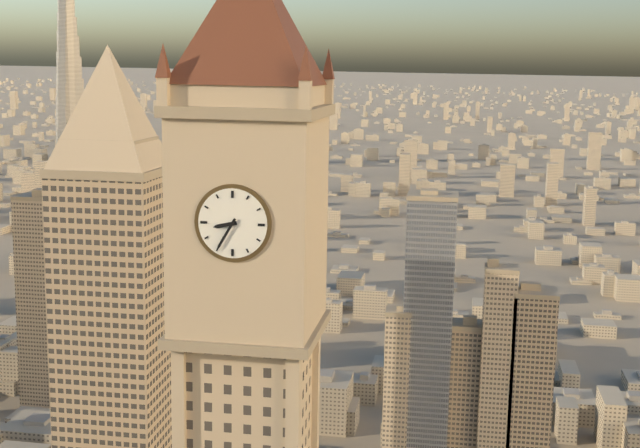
8:35
